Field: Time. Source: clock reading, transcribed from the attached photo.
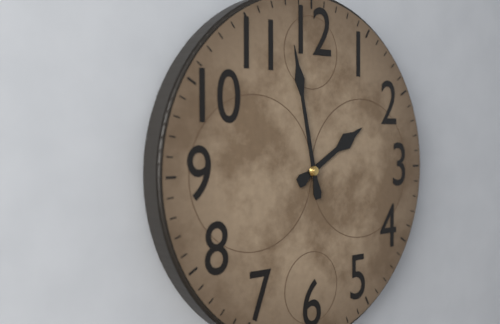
1:58
